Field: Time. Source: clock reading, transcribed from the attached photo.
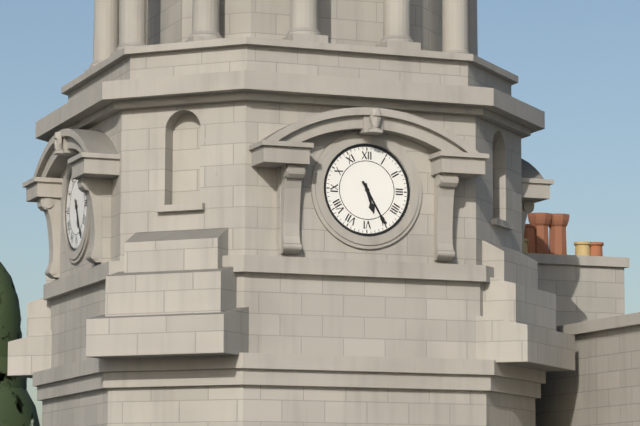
5:25
